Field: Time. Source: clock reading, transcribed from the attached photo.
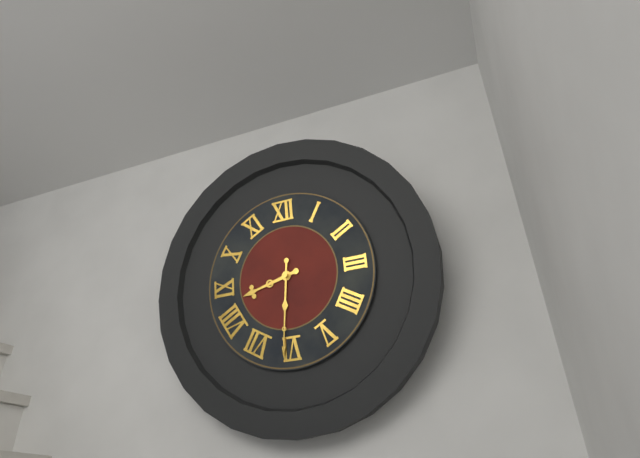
8:31
